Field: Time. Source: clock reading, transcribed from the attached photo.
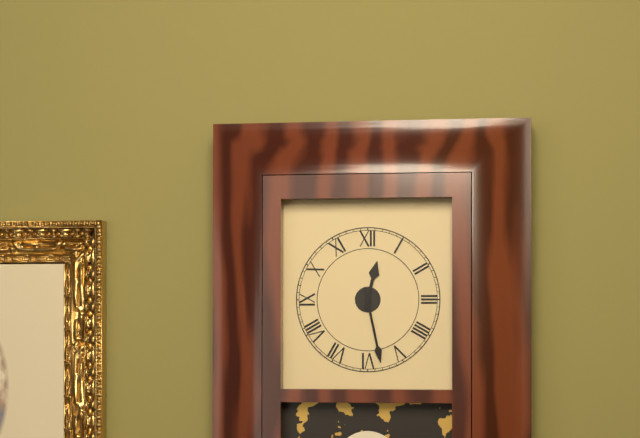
12:28
